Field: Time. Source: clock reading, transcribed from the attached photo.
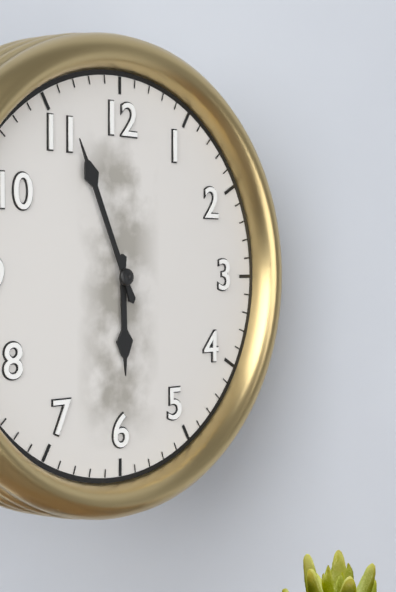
5:56
